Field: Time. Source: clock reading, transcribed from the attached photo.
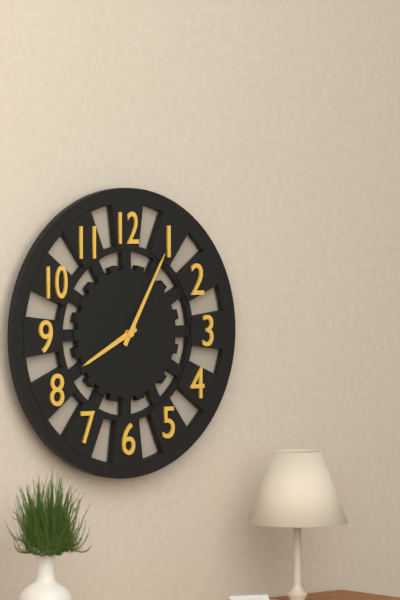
8:05
